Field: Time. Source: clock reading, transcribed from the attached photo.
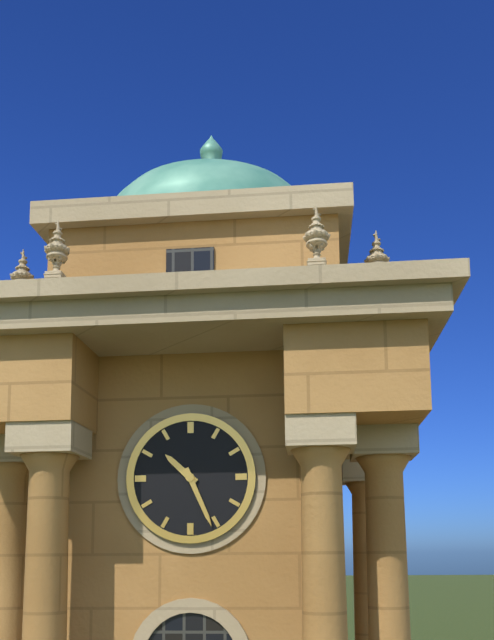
10:26
